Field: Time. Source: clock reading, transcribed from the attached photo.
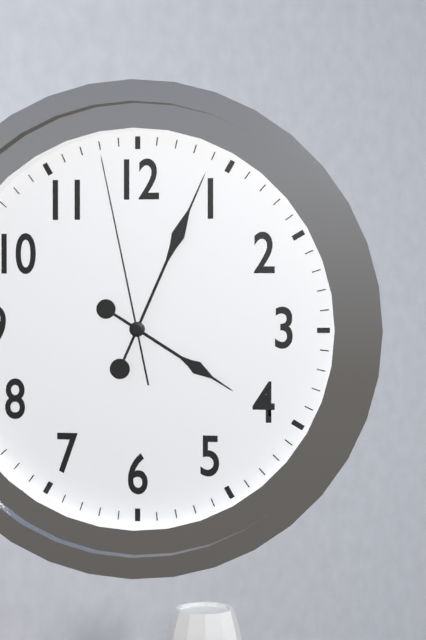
4:04:58
